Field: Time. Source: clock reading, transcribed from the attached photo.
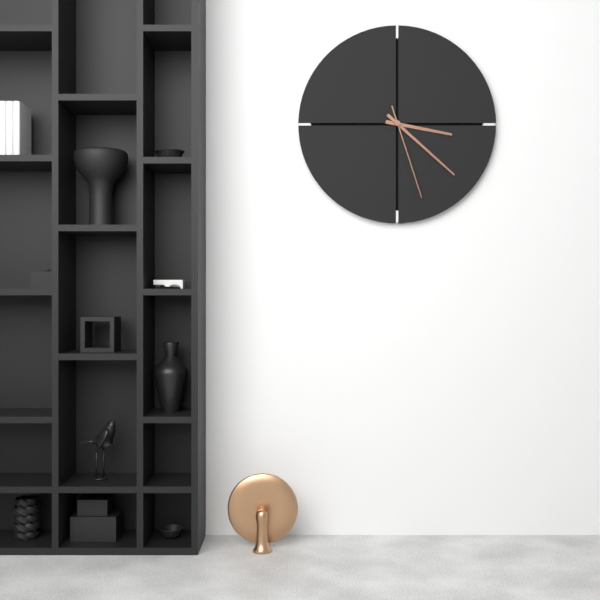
3:22:27
